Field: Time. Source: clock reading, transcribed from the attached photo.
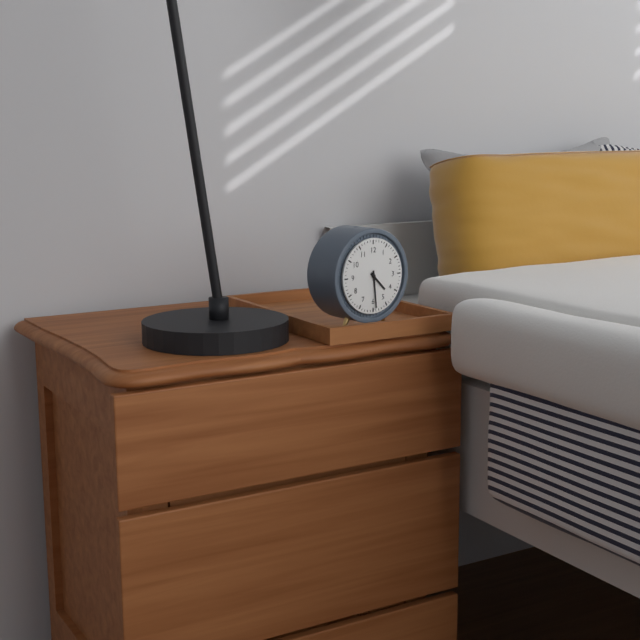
4:29
